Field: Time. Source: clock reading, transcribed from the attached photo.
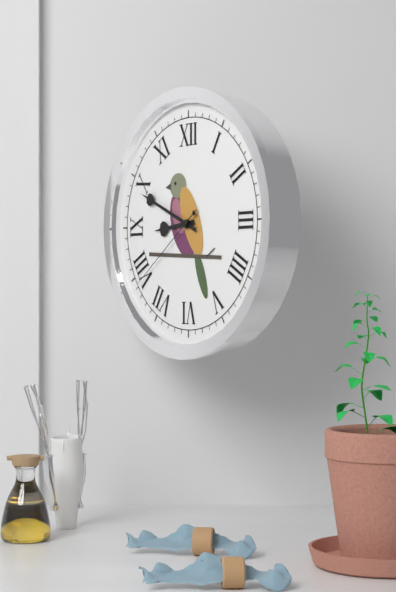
8:49:39
